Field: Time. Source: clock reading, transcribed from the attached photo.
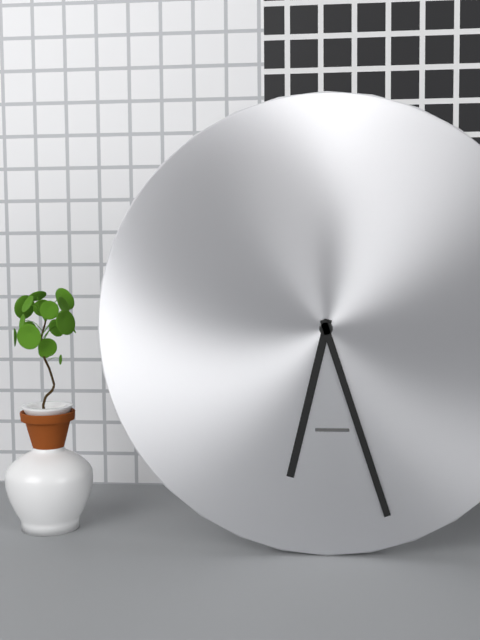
6:27
